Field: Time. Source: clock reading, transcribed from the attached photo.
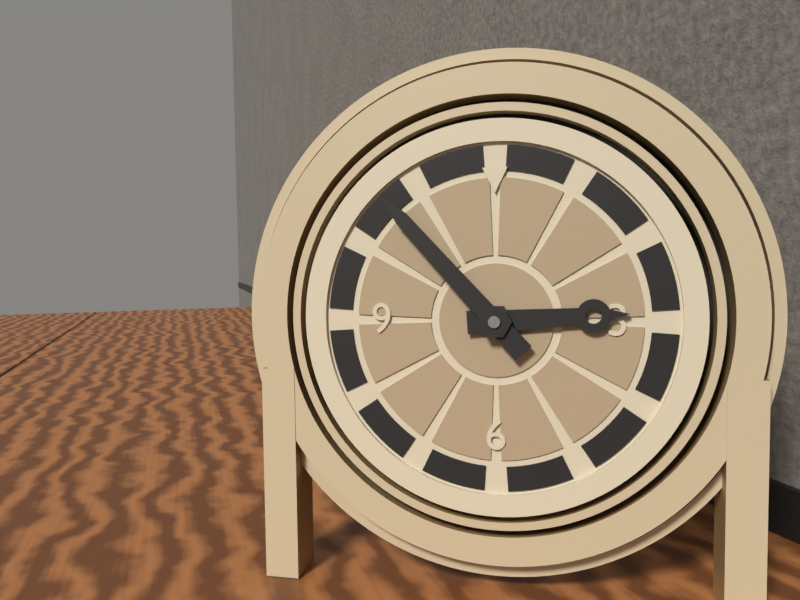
2:53
